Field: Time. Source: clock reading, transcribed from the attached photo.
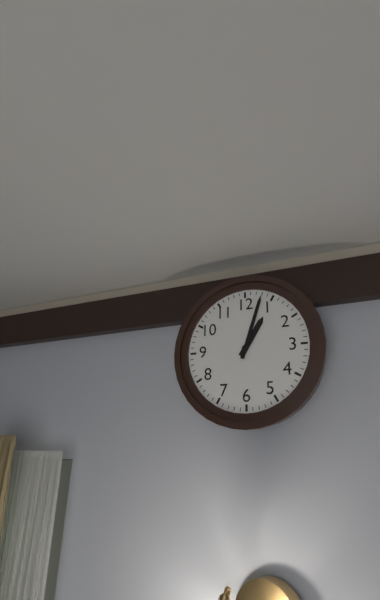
1:03
